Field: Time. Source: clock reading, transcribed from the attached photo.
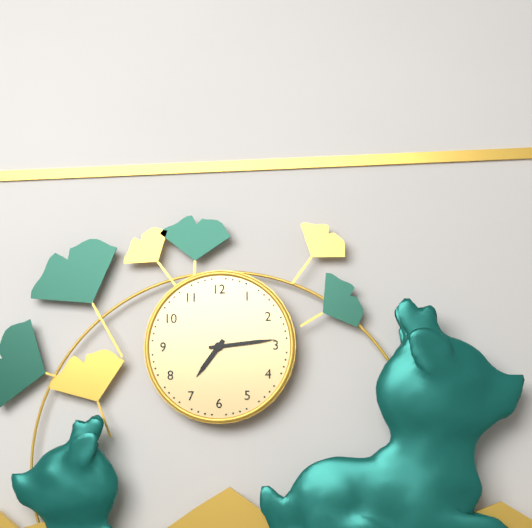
7:14
